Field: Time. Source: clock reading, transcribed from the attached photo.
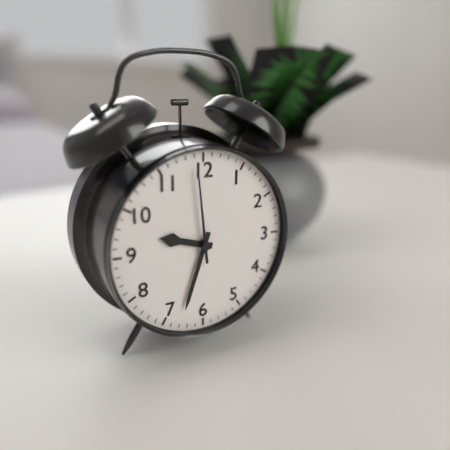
9:33:59
